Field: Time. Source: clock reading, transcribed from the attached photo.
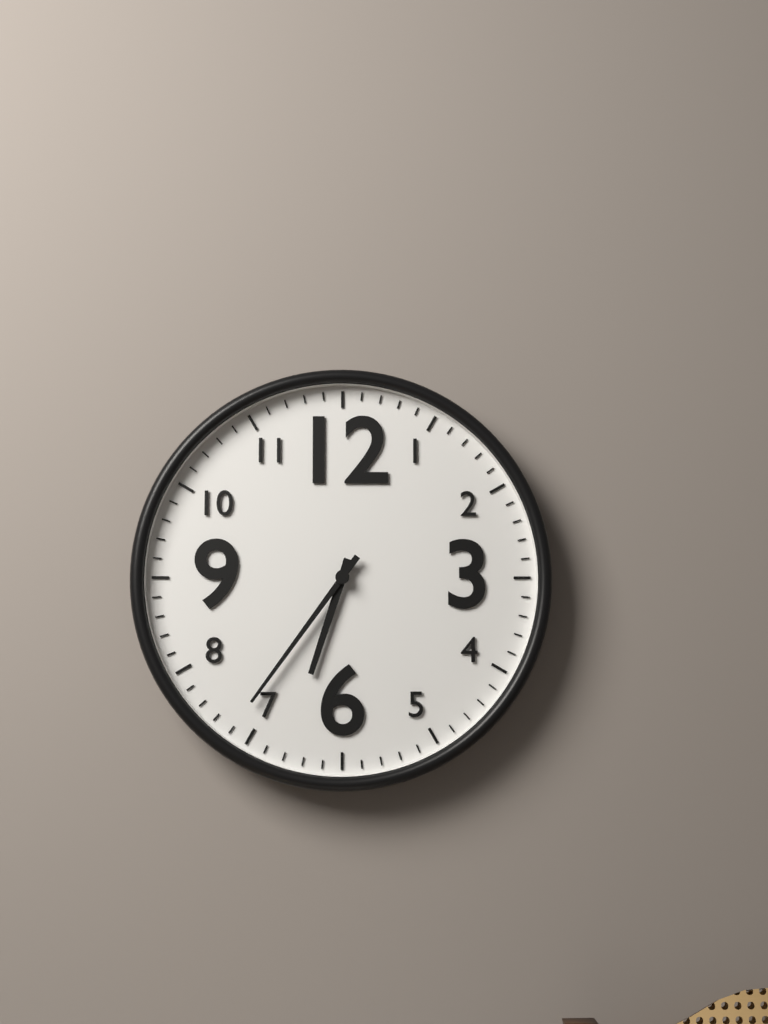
6:36
